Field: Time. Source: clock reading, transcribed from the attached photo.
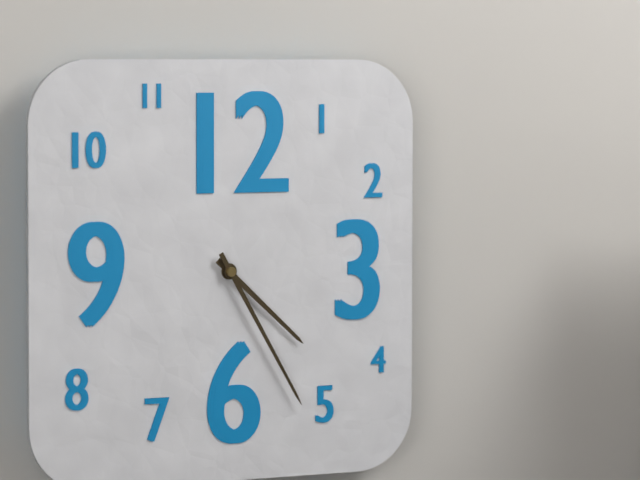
4:25
